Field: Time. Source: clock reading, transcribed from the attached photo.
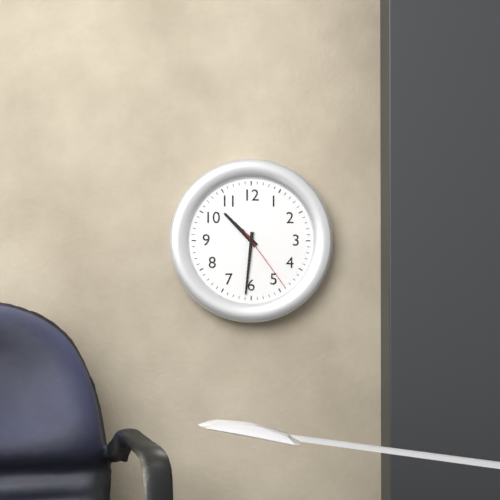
10:31:24
